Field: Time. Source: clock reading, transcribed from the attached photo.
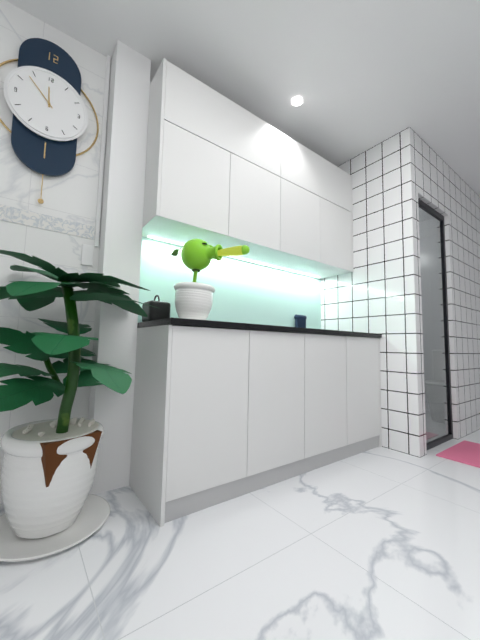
11:53
